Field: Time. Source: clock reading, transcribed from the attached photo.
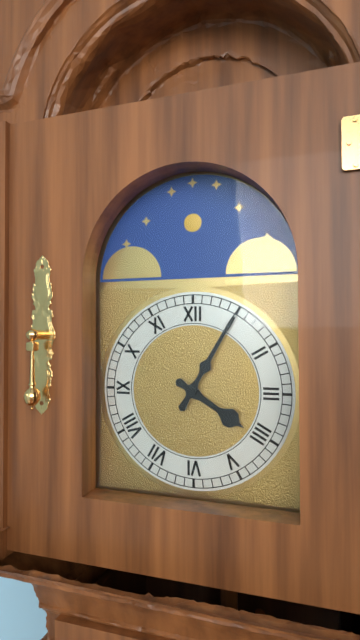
4:05
